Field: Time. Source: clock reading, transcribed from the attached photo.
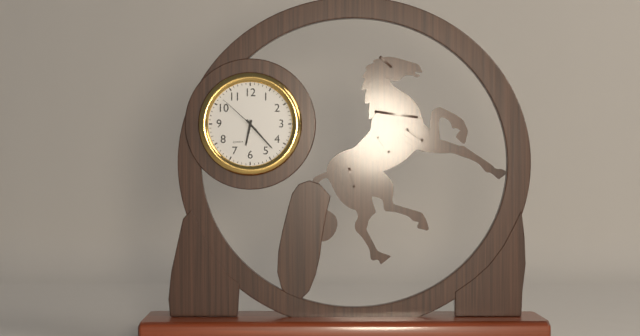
6:23
